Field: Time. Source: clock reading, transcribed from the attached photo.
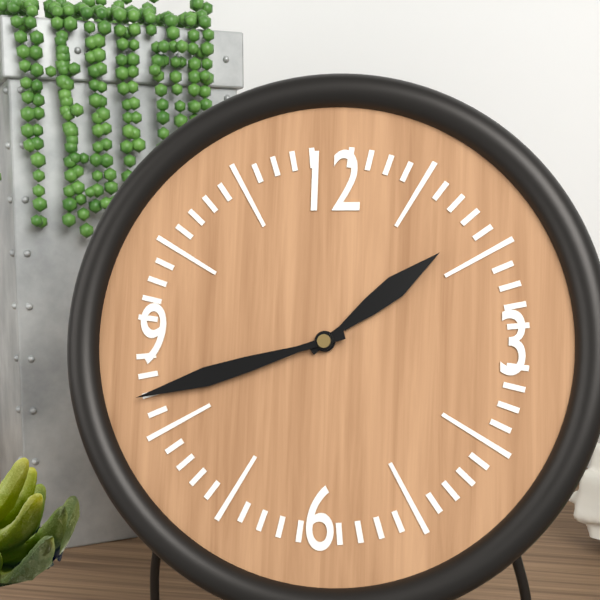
1:42
